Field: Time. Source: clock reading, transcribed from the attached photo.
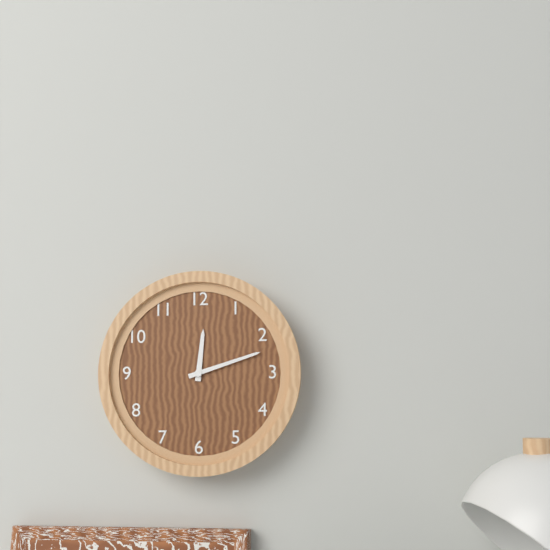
12:12
